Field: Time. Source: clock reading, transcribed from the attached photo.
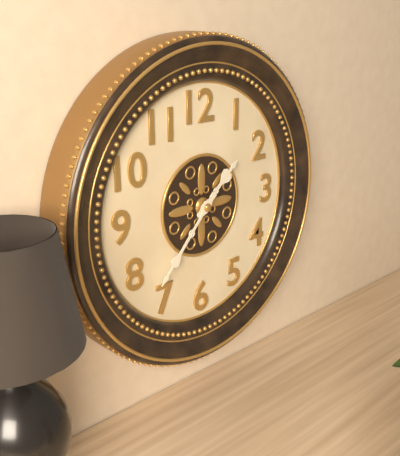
1:37
